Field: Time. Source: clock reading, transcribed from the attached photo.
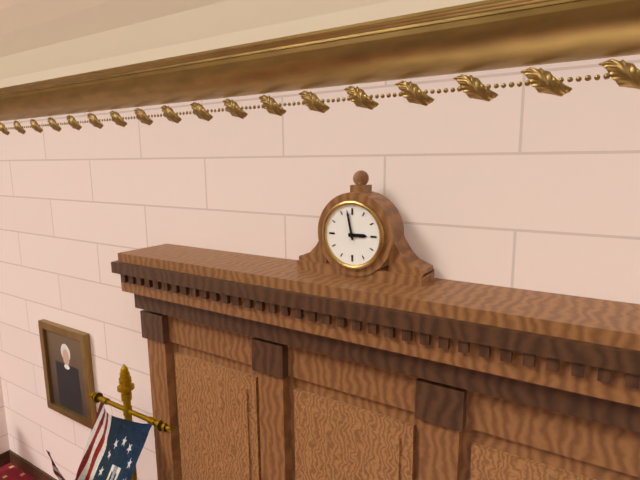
2:58
